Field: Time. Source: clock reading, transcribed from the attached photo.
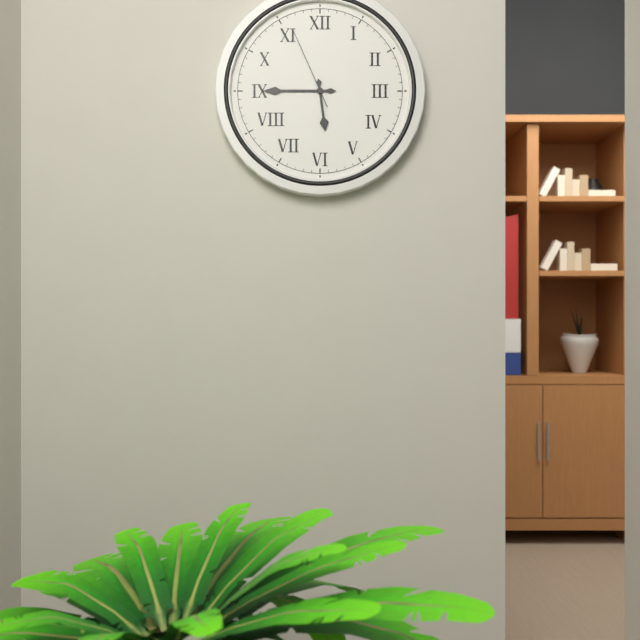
5:45:56
